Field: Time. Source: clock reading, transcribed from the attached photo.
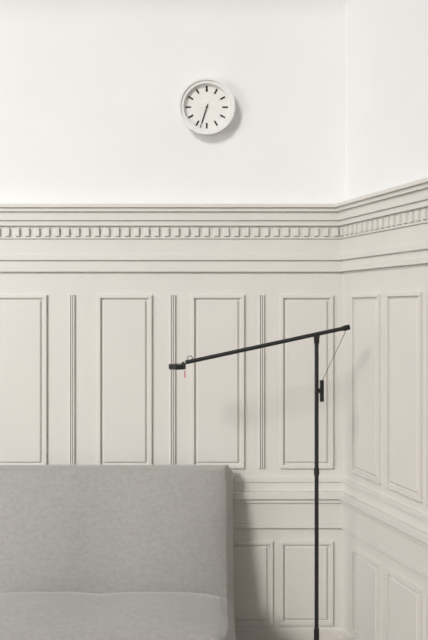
6:33
